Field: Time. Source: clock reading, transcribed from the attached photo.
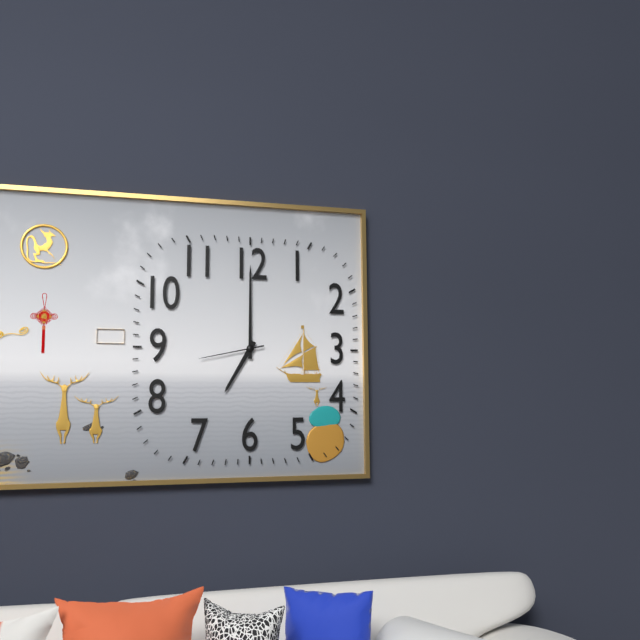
7:00:43
